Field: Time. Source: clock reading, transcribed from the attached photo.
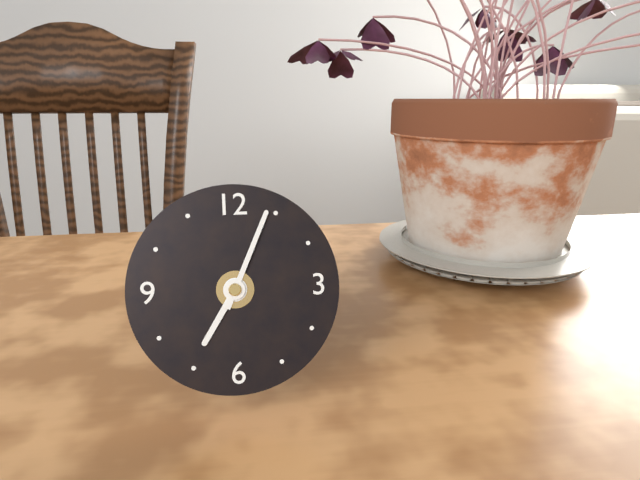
7:04
